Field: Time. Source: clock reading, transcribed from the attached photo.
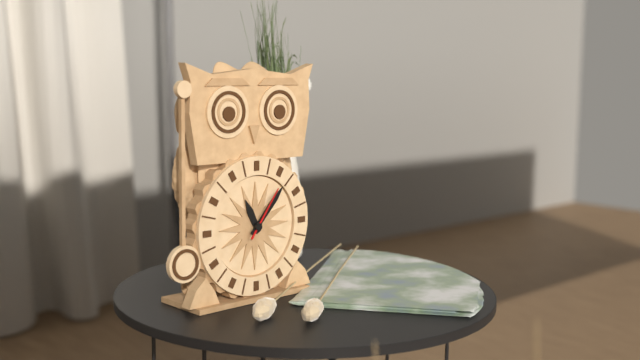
11:07:06
